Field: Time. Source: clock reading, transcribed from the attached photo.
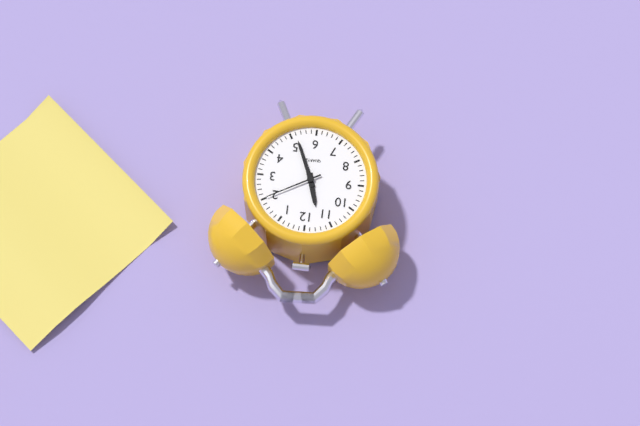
11:26:10
